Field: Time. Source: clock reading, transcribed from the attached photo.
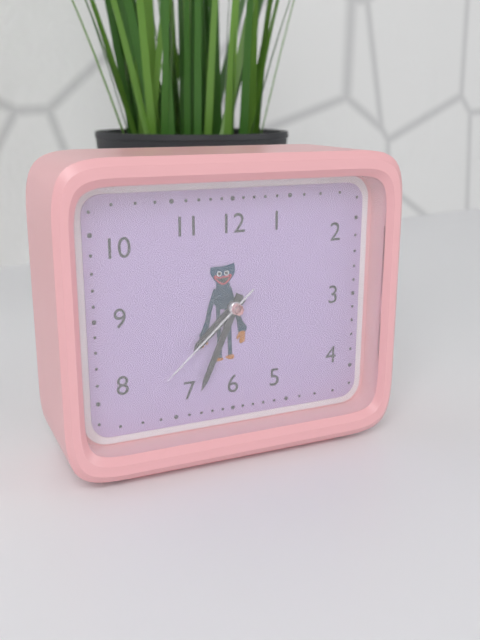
7:34:38
